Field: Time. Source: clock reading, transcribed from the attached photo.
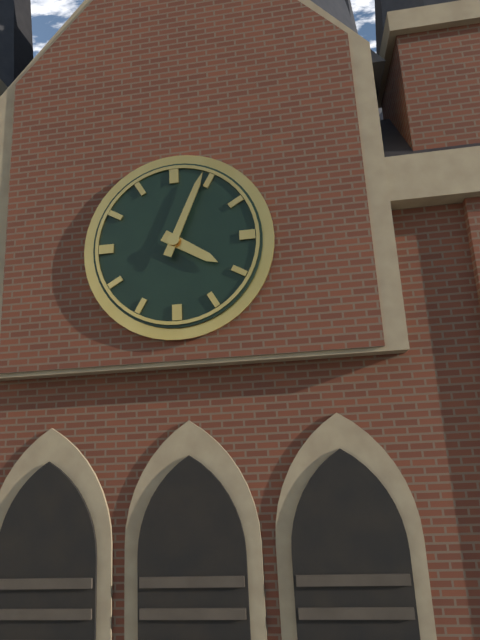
4:04
